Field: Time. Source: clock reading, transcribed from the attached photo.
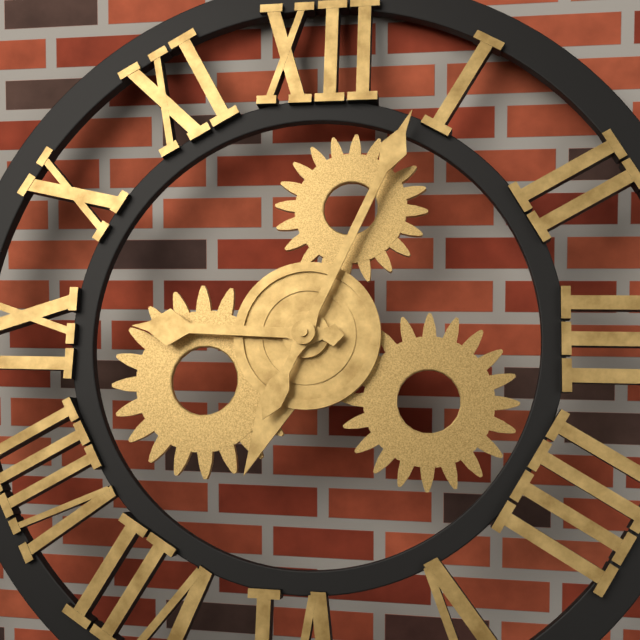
9:04
